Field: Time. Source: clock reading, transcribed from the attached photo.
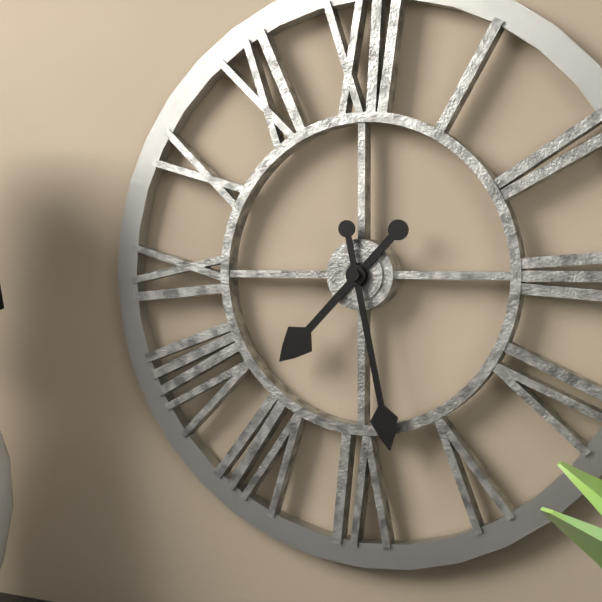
7:28
